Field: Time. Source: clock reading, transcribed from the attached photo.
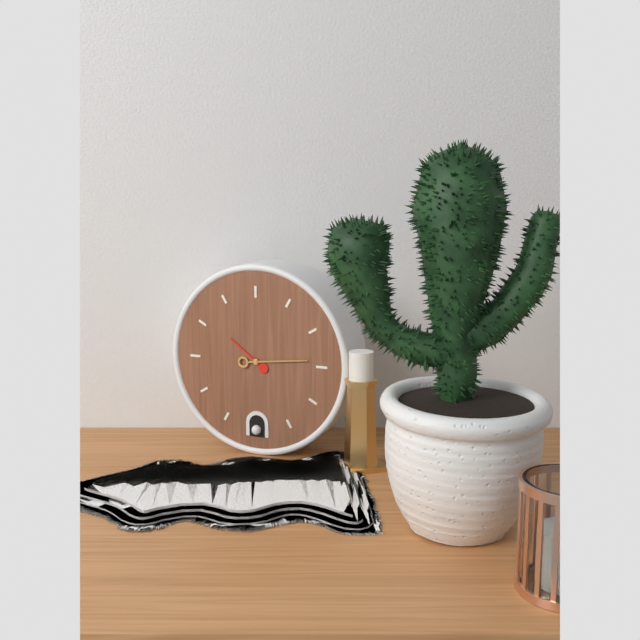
10:14
